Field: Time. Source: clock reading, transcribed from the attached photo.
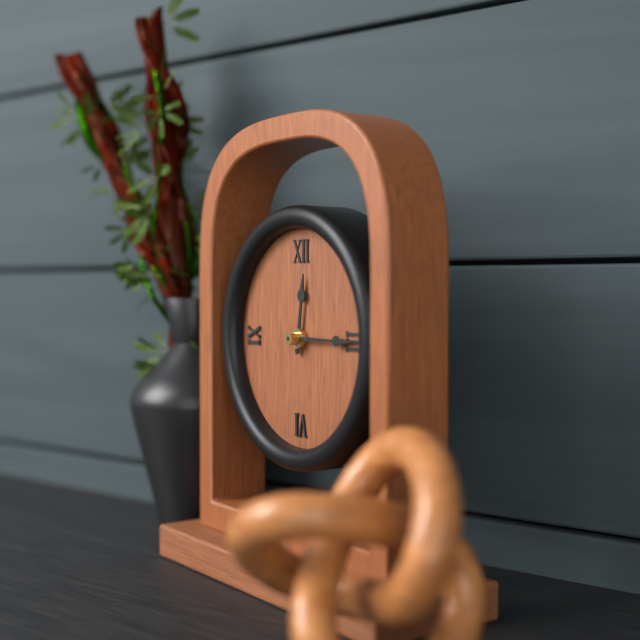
12:15
